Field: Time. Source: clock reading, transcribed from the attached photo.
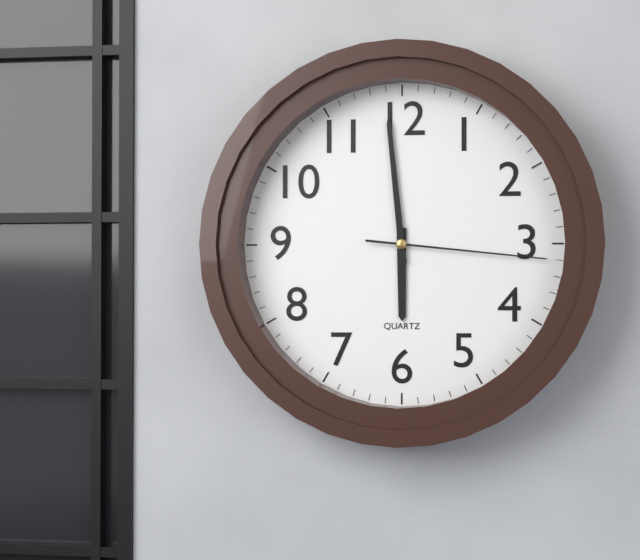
5:59:16
